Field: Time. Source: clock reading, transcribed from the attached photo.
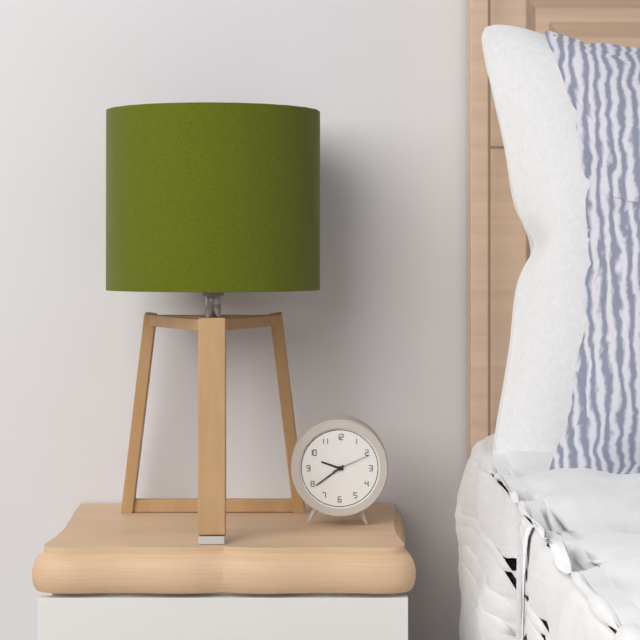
9:39
